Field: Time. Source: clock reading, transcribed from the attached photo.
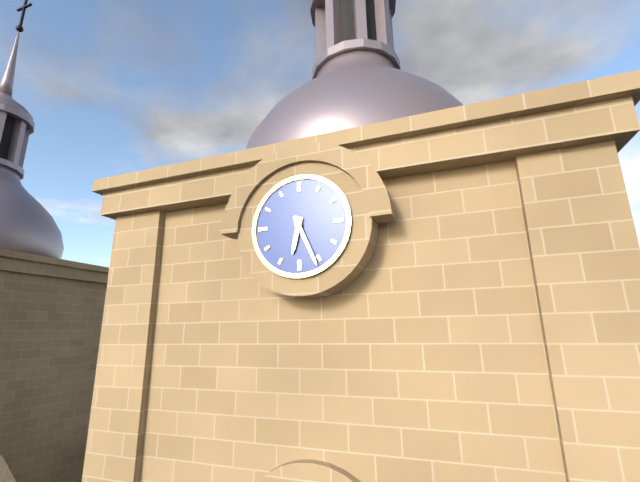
6:26
